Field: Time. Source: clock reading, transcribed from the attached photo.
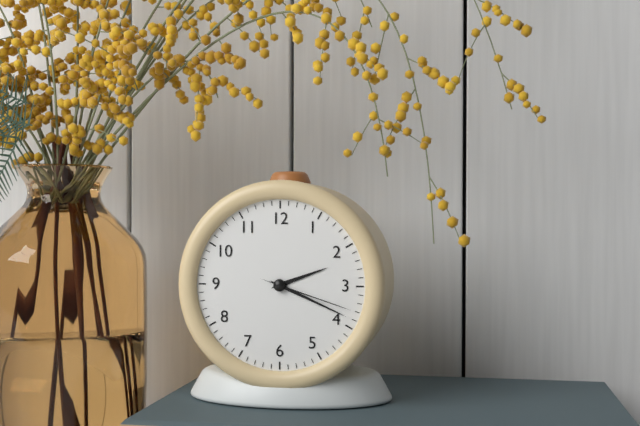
2:19:18
